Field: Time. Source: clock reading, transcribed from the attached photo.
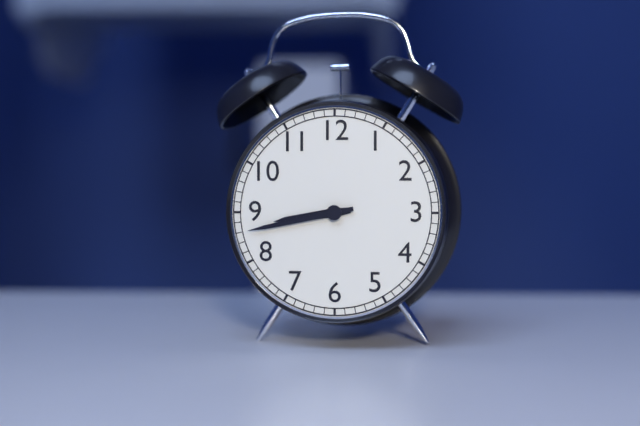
8:43
